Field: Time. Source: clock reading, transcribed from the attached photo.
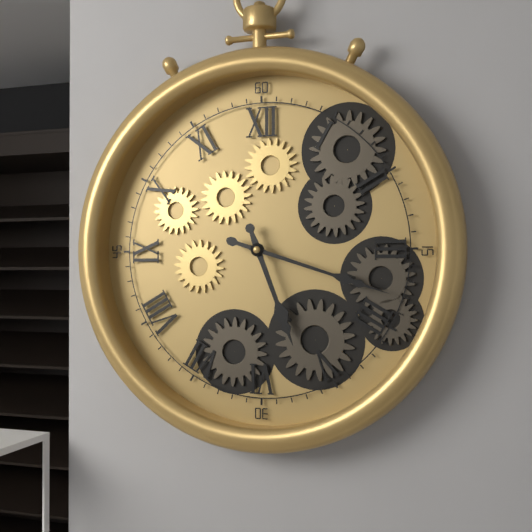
5:18
